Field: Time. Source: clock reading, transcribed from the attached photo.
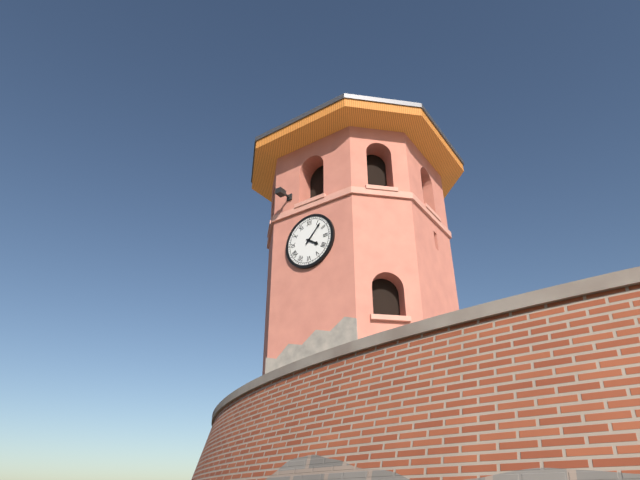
4:07
